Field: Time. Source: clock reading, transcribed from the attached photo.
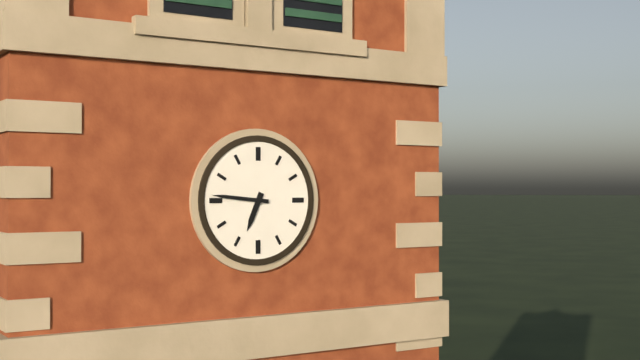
6:46
